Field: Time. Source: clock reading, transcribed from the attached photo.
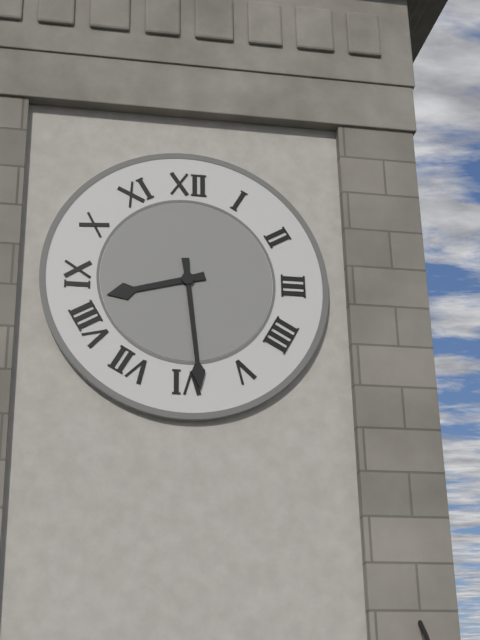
8:29
